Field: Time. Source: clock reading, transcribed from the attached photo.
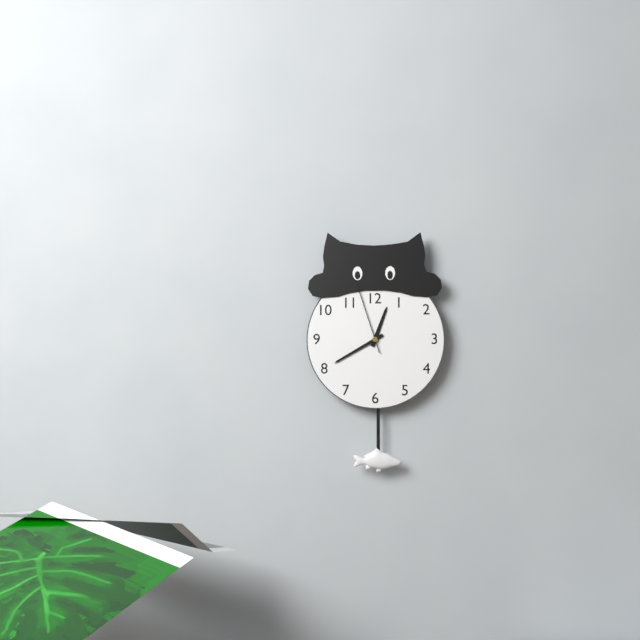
12:40:57
